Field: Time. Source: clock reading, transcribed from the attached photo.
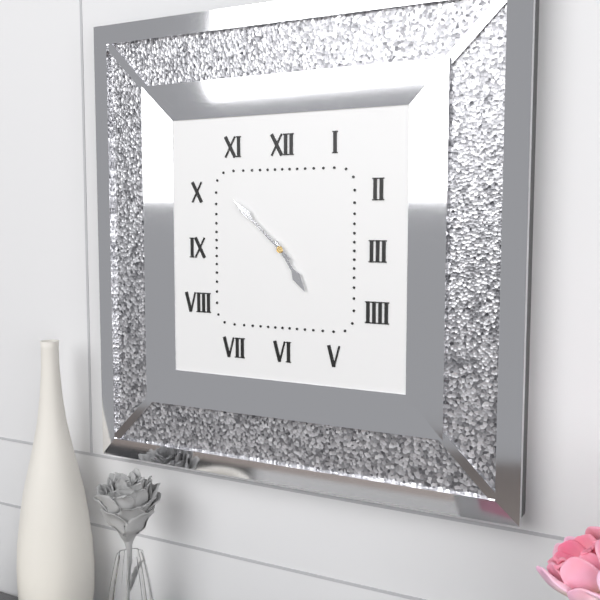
4:52
